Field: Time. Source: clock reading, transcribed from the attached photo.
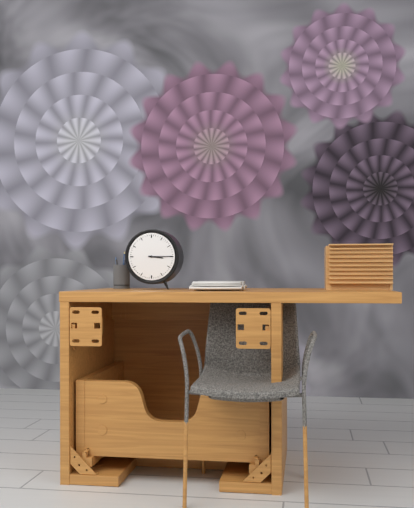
3:15
